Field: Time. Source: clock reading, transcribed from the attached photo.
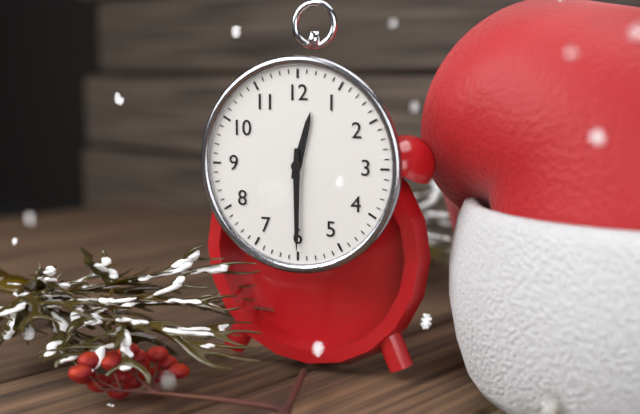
12:30
